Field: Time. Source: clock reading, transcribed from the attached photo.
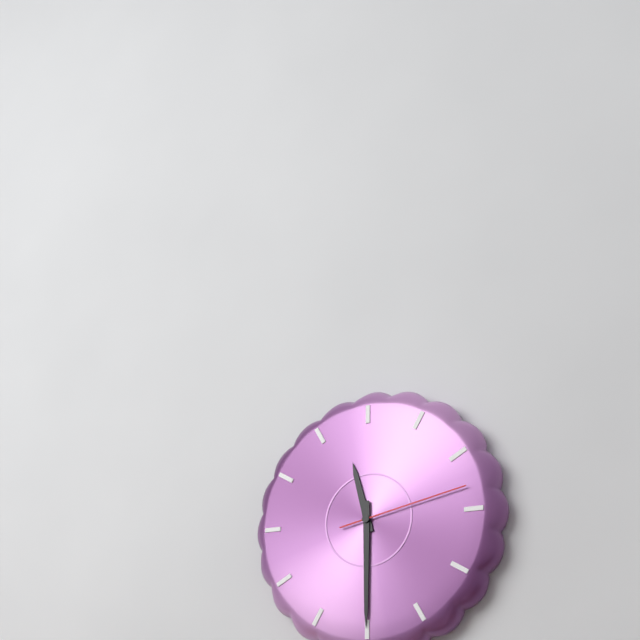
11:30:13
